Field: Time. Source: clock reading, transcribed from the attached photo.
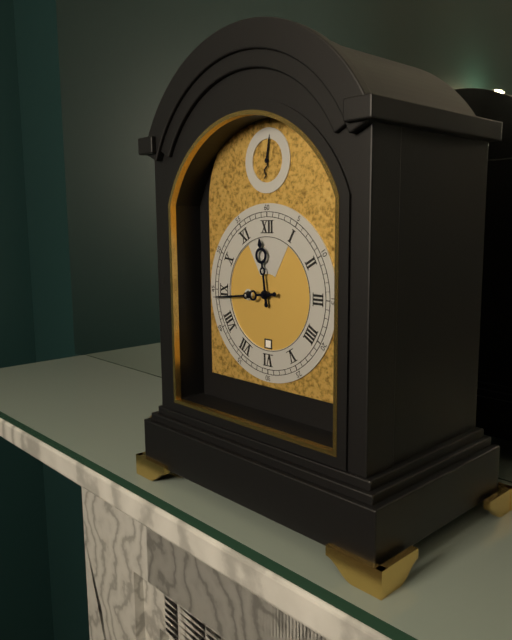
11:44
